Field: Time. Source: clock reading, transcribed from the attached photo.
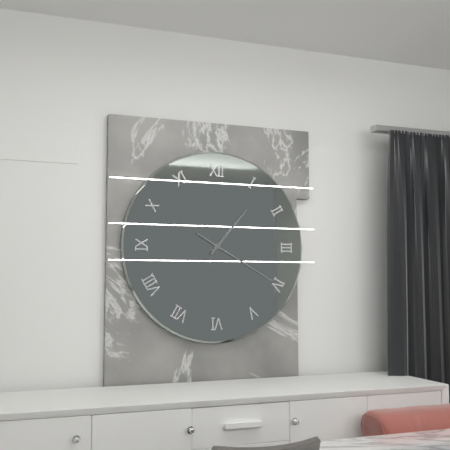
1:20
